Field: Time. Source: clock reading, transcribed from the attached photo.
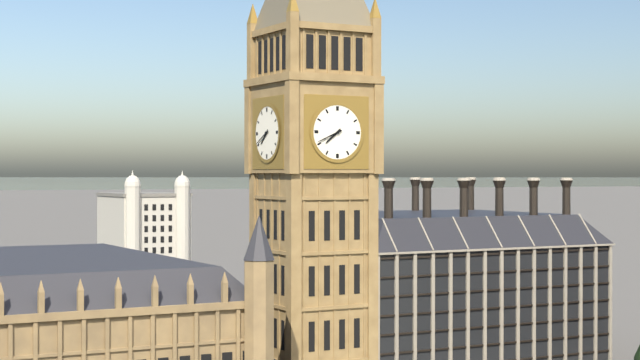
7:41
